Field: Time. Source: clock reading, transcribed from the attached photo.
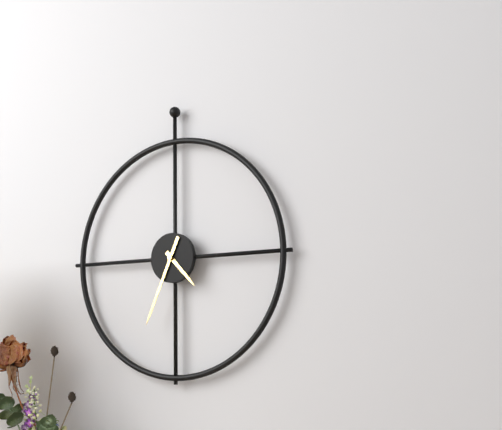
4:34
